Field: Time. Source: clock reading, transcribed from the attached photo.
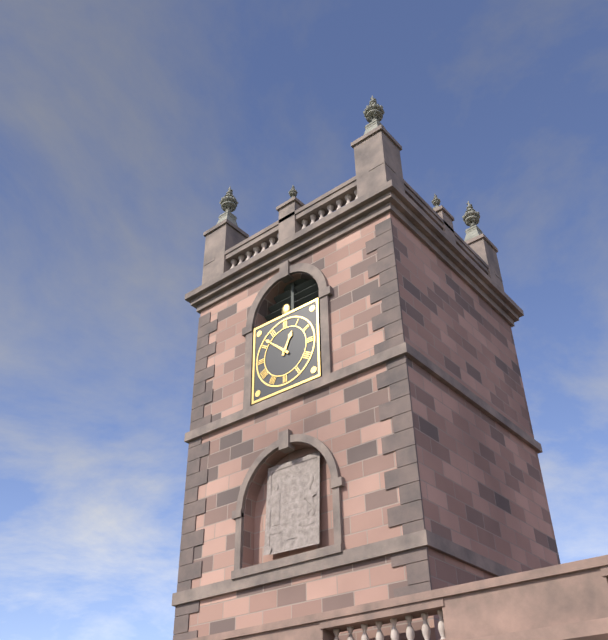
12:52
